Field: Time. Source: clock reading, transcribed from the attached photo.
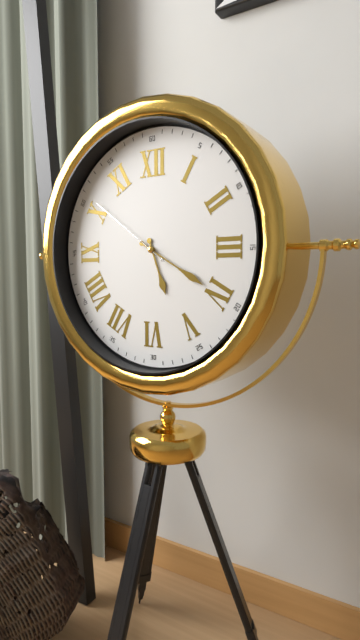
5:20:51
